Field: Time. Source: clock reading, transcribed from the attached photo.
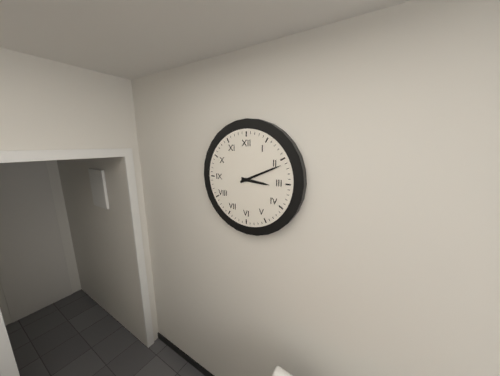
3:11
